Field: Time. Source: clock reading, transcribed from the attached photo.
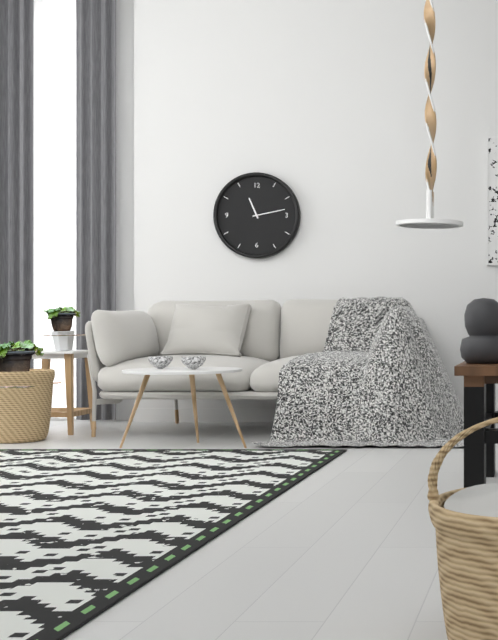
11:13
